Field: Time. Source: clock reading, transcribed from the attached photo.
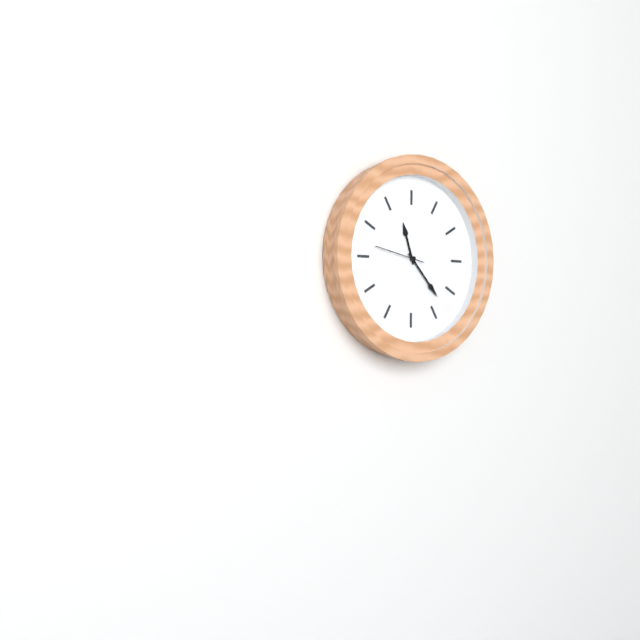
11:23
